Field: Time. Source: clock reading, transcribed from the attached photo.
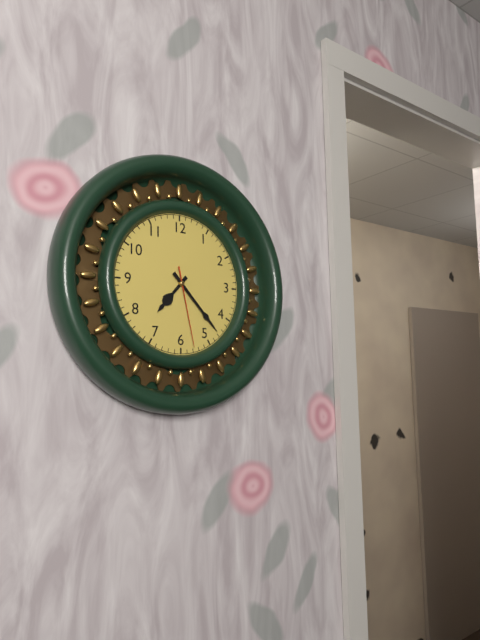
7:23:28
